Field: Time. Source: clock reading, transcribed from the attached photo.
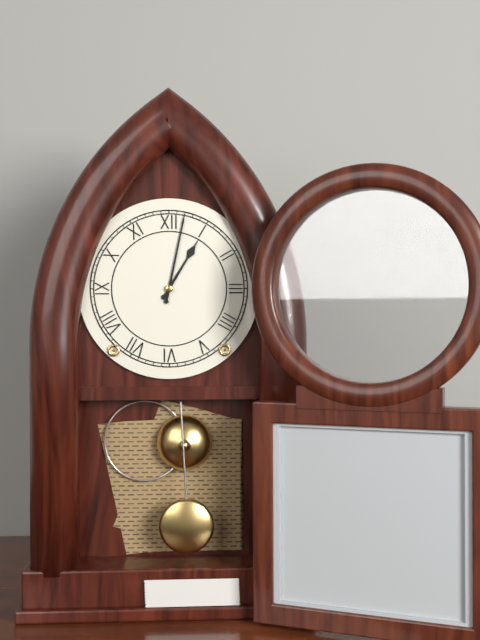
1:02
